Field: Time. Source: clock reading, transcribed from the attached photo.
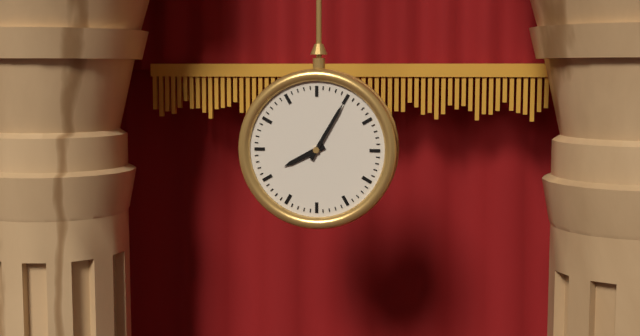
8:05
